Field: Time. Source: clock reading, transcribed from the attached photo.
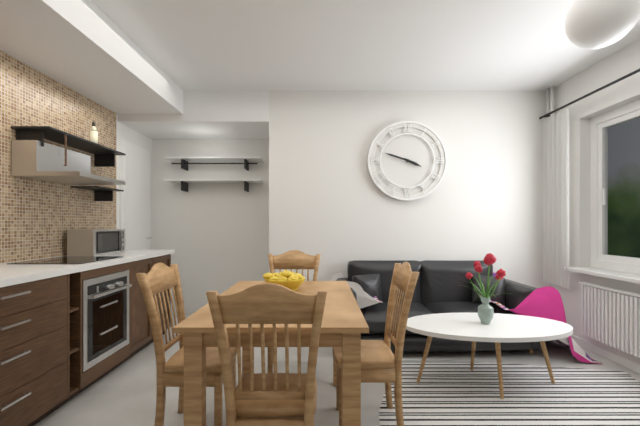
3:48
